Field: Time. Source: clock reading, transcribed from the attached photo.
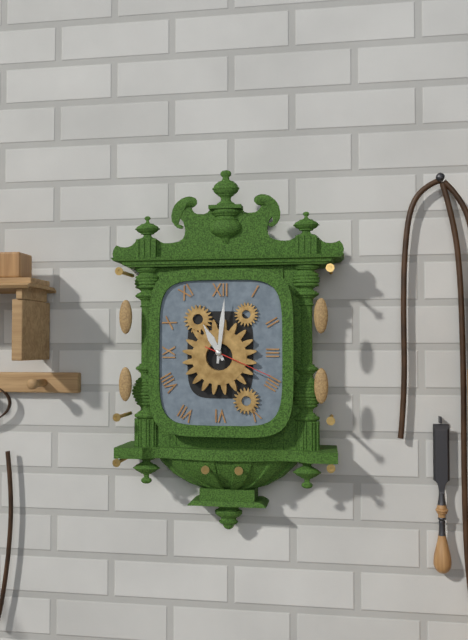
11:01:19
